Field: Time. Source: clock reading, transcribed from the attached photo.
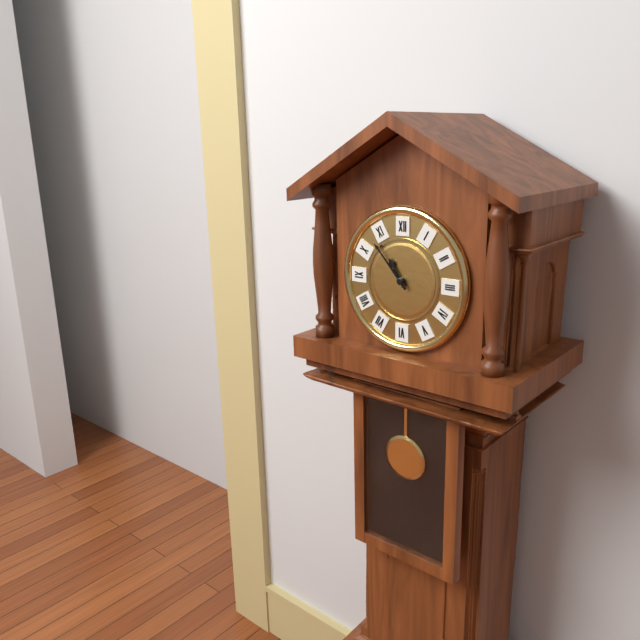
10:53
